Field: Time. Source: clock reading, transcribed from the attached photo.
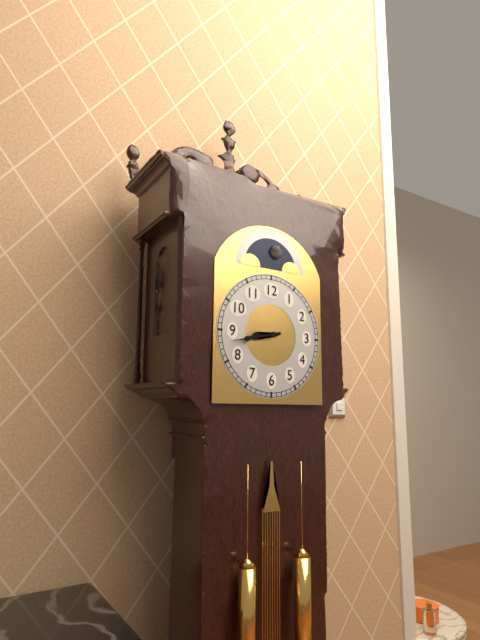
8:43
